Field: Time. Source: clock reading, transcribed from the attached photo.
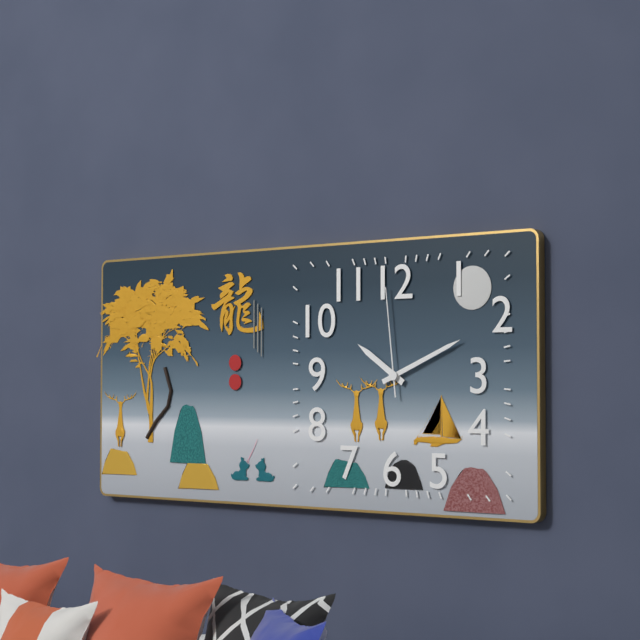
10:11:59
